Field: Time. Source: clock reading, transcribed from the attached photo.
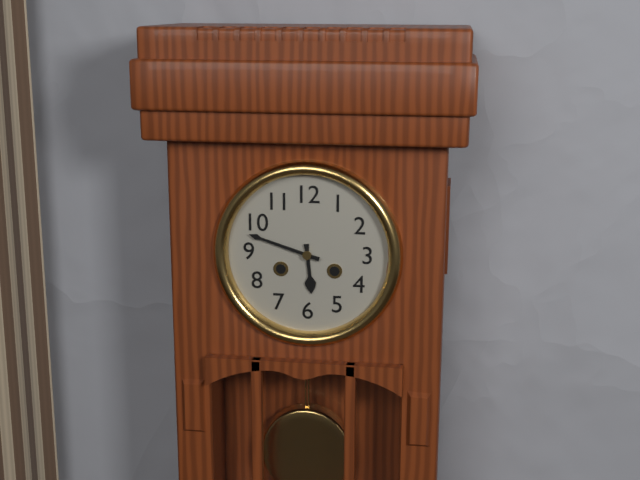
5:48
